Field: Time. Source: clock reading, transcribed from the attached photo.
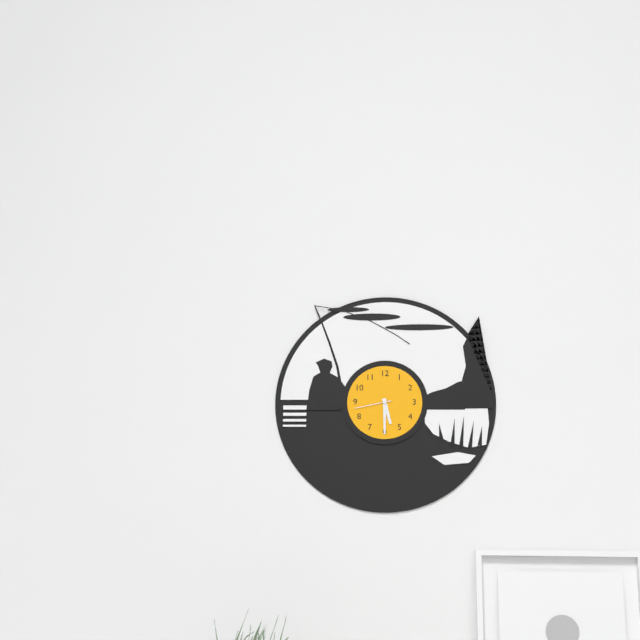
5:30
